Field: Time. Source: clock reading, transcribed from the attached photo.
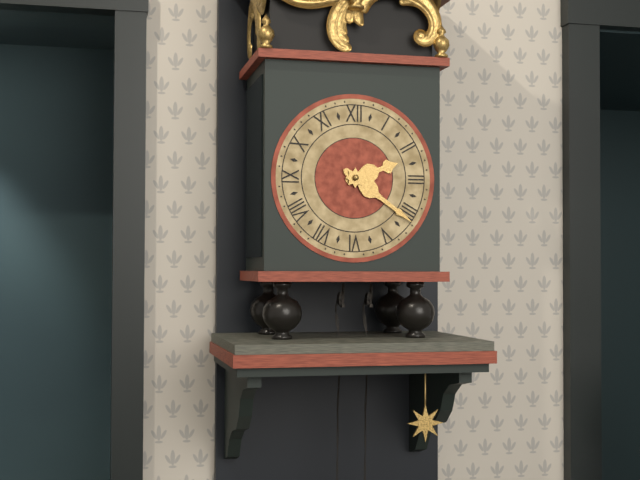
2:21
